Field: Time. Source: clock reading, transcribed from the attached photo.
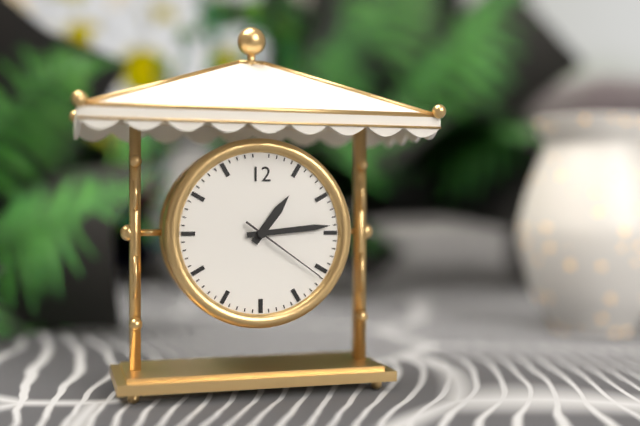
1:14:21
